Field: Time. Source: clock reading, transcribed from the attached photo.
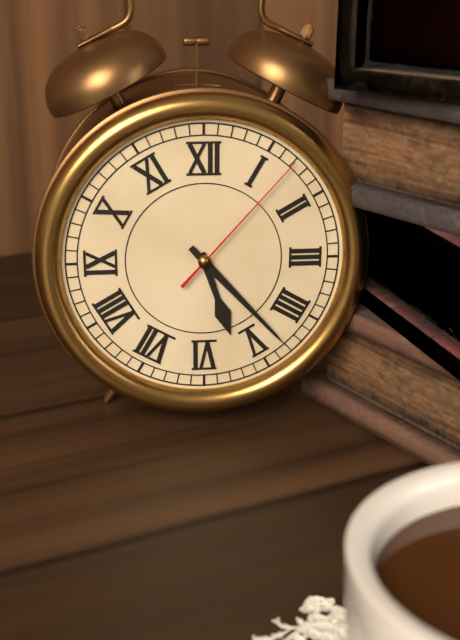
5:23:07
